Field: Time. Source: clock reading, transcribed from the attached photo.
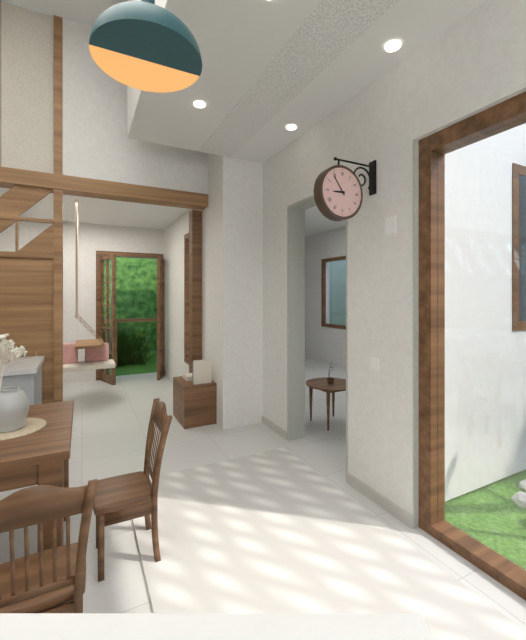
8:54
